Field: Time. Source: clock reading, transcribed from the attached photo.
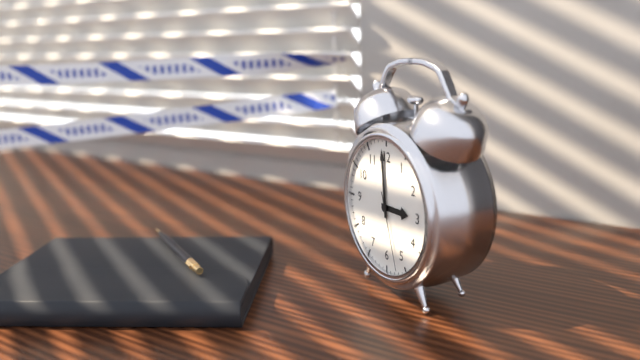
2:59:27
